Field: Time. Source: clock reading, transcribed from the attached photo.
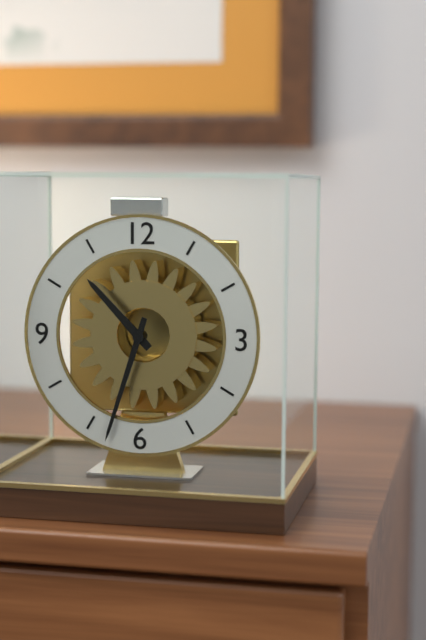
10:33
